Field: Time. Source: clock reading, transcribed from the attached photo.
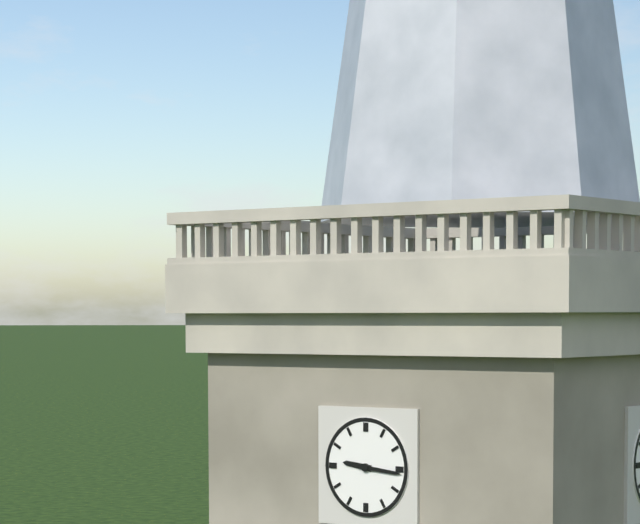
9:16
